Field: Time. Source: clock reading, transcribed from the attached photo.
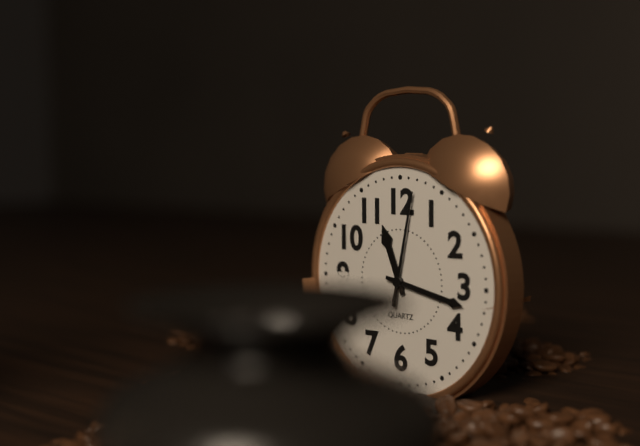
11:17:02
